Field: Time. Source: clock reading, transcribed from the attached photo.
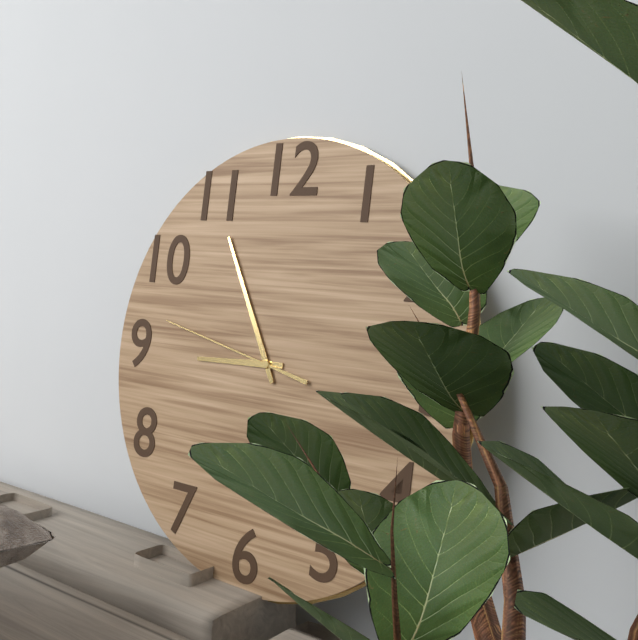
8:55:47
